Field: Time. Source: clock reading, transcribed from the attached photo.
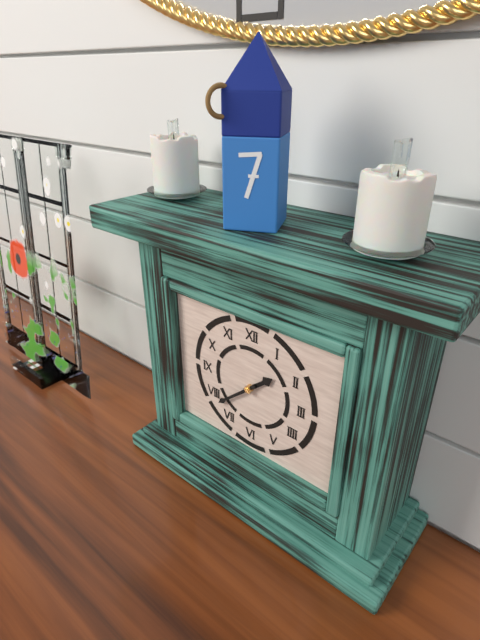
1:38
